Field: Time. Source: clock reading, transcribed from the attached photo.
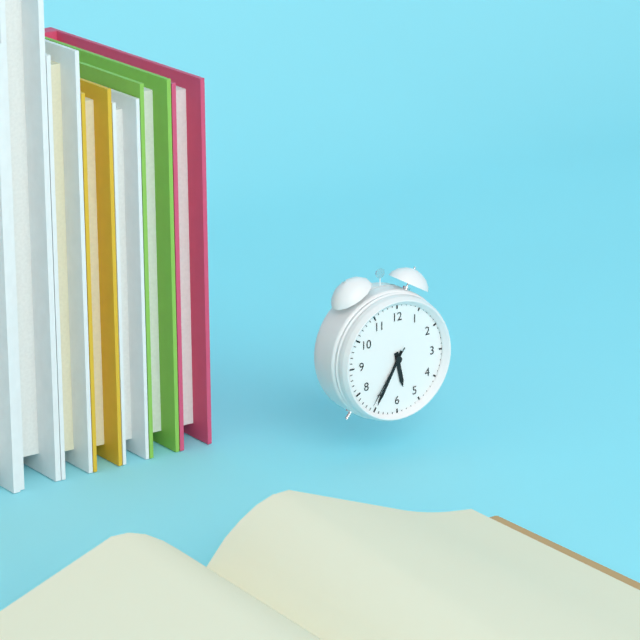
5:35:36
